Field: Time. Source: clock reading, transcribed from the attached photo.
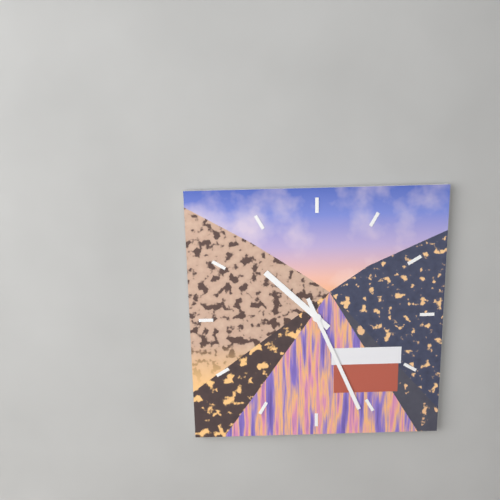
10:26
